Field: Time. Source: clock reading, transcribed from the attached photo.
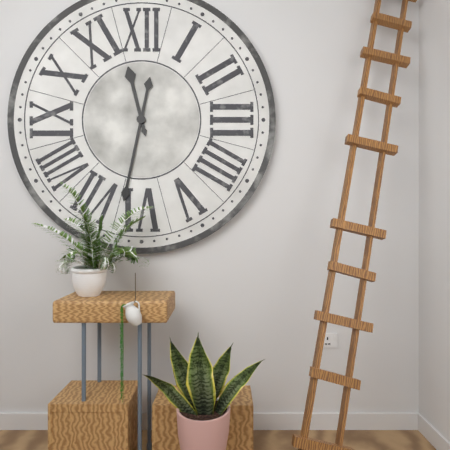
11:32
